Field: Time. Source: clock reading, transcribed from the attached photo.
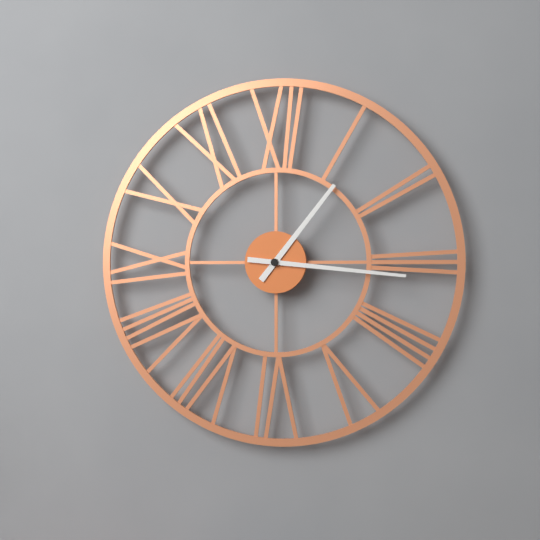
1:16
